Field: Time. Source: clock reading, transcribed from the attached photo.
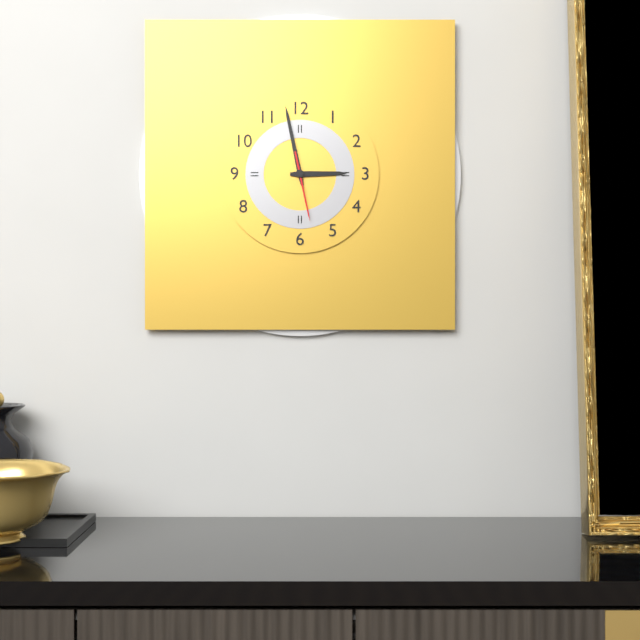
2:58:28
